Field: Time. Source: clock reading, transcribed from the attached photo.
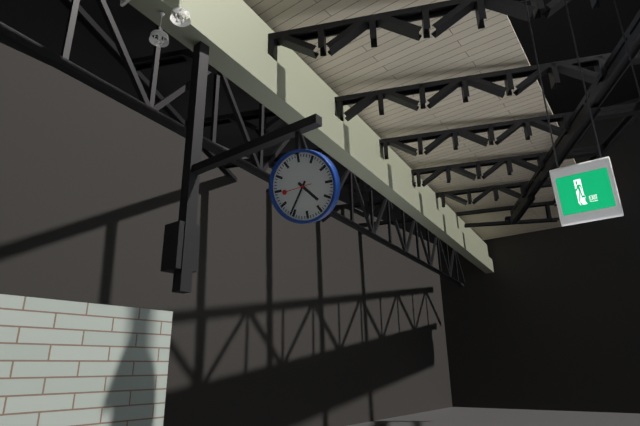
4:36
